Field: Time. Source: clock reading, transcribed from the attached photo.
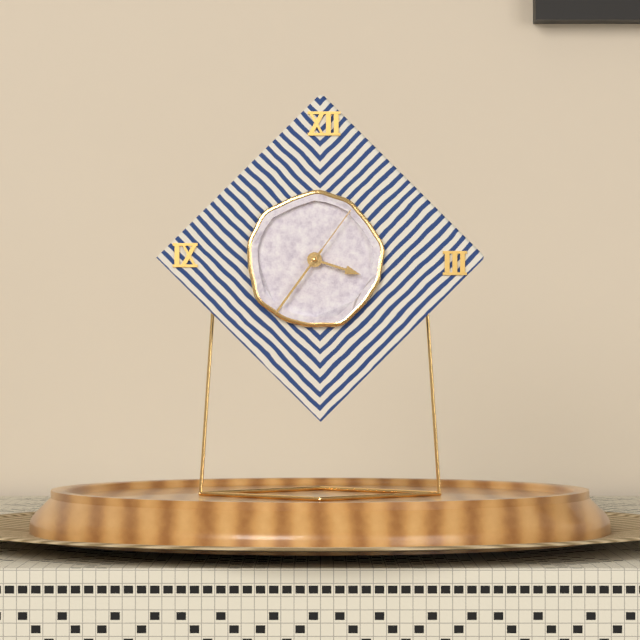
3:36:06
